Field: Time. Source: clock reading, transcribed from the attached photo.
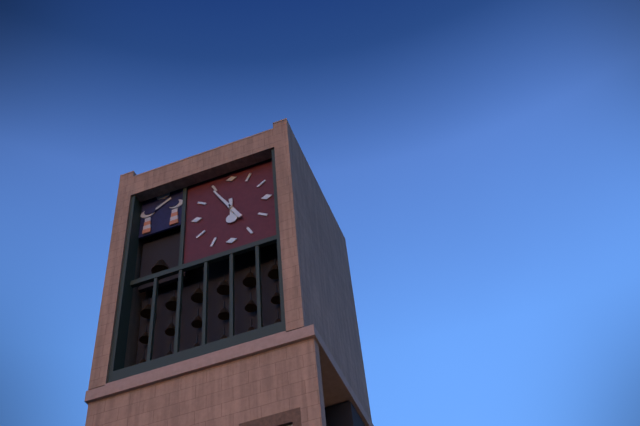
5:55
